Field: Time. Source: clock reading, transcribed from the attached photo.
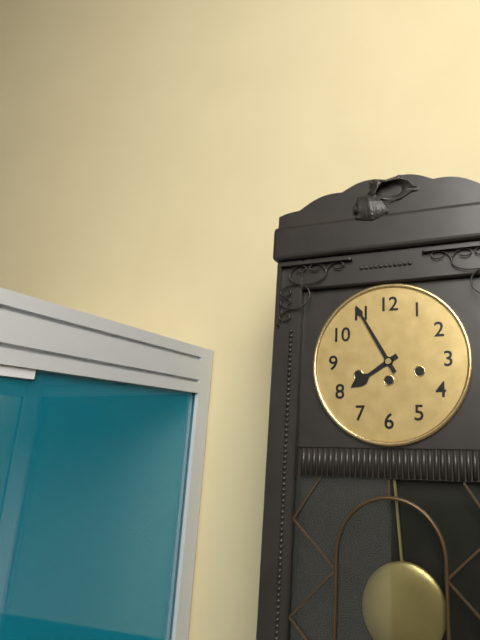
7:55
